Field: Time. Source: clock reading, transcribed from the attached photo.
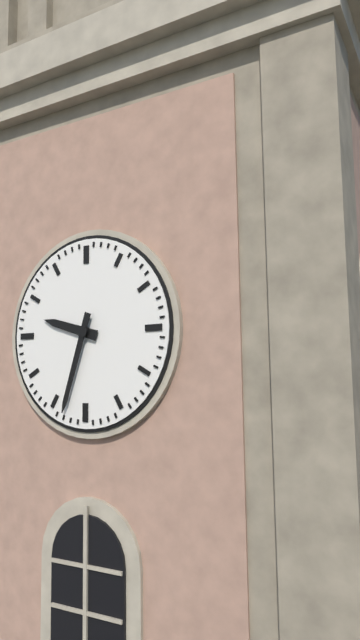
9:33
